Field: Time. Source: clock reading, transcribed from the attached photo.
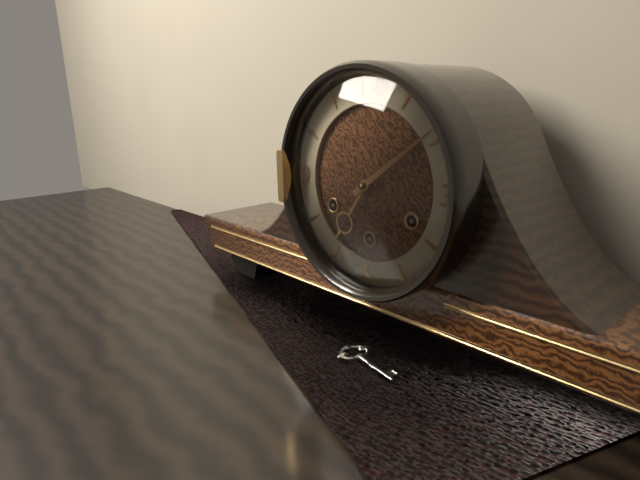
7:09
